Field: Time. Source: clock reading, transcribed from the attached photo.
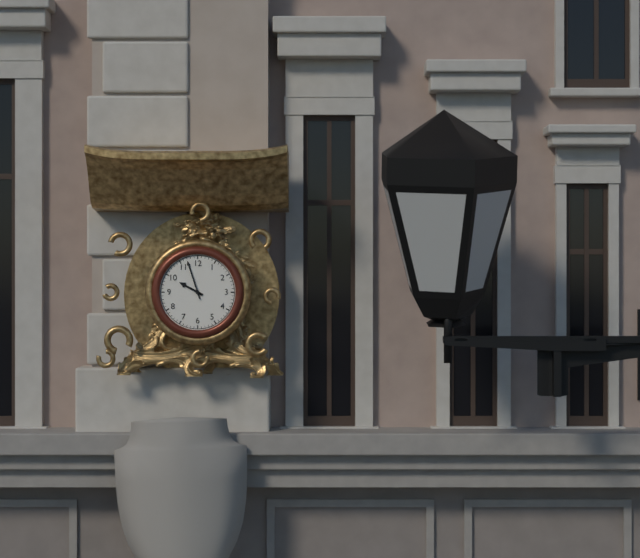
9:57
